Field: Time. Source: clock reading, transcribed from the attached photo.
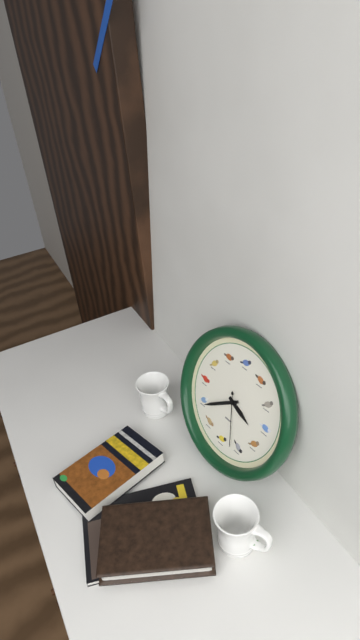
3:39:27
